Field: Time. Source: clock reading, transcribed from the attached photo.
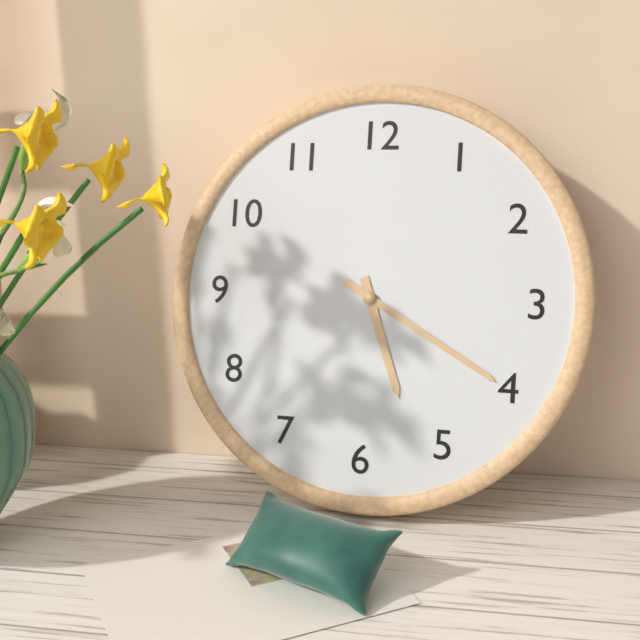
5:20
